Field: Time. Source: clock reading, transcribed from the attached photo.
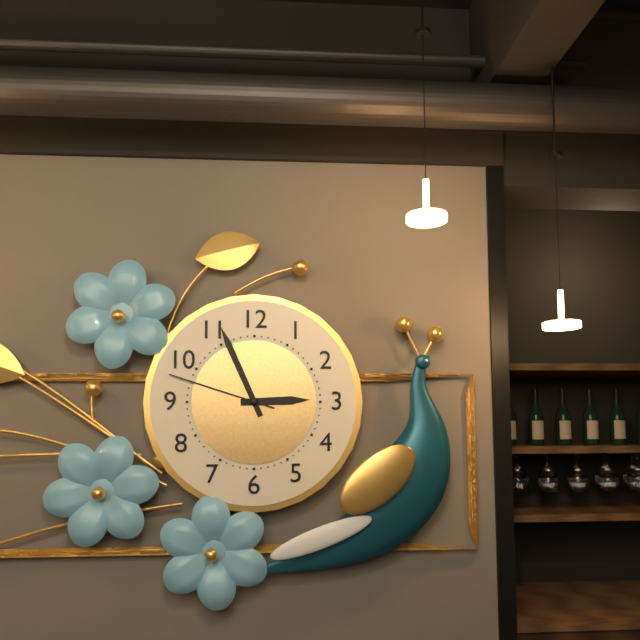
2:56:48
